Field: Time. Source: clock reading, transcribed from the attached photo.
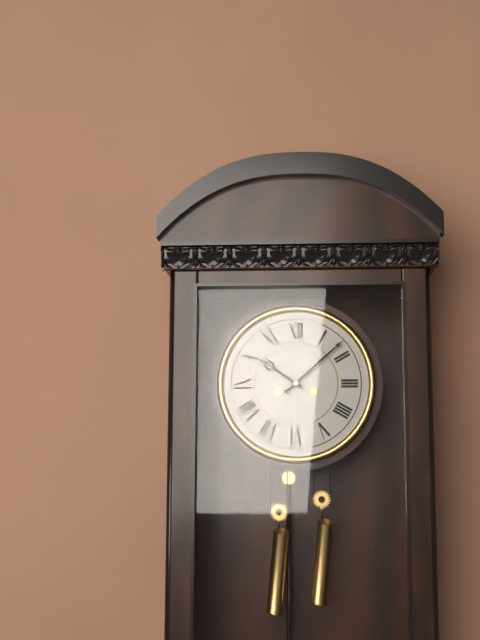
10:08
